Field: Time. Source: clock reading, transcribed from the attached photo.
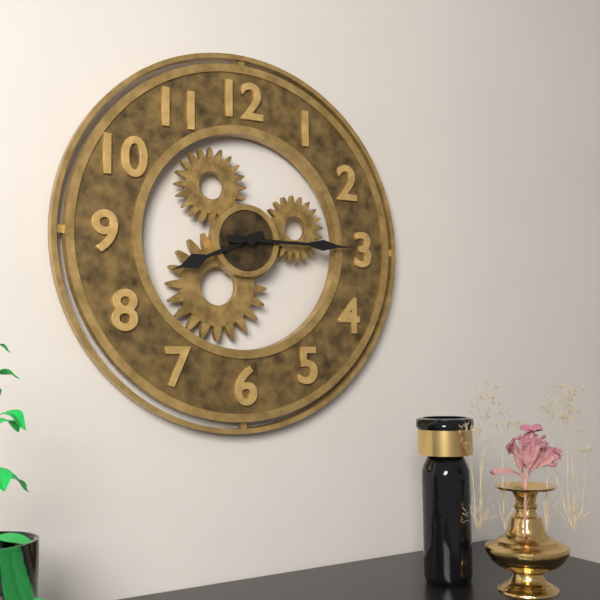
8:15
